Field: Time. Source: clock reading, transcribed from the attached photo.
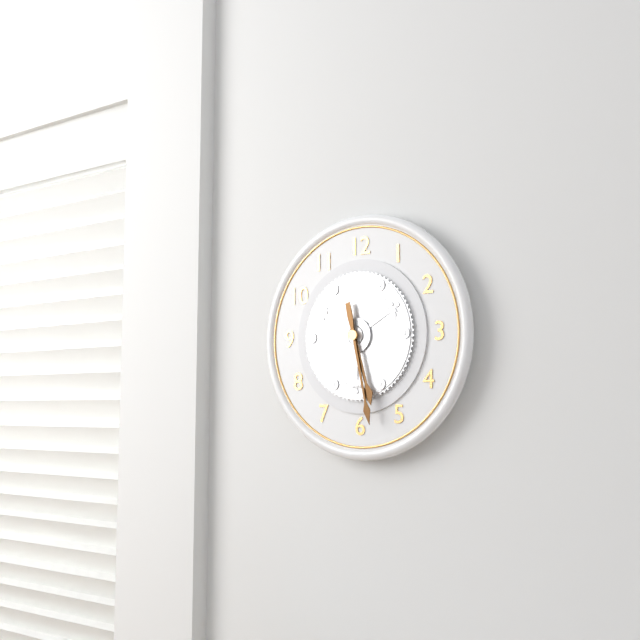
5:28
